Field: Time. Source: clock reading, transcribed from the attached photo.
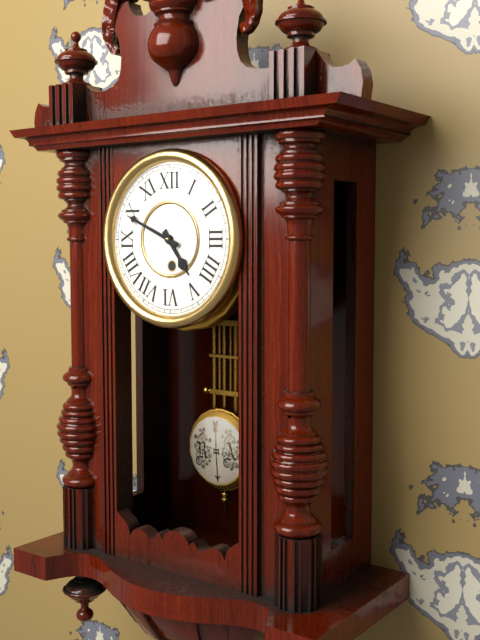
4:49
